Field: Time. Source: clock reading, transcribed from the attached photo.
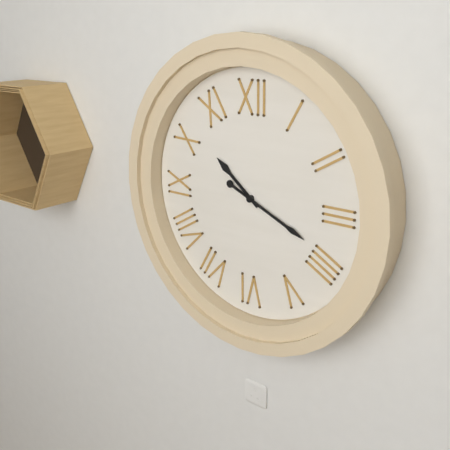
10:19
